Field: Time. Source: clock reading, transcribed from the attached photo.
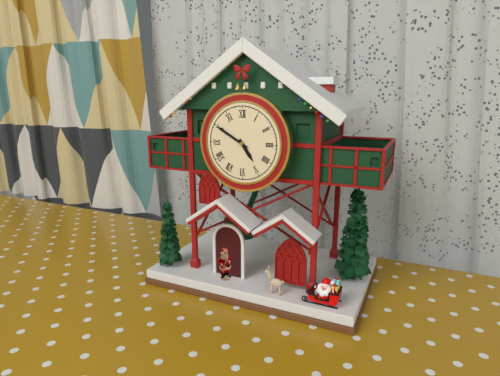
4:50
